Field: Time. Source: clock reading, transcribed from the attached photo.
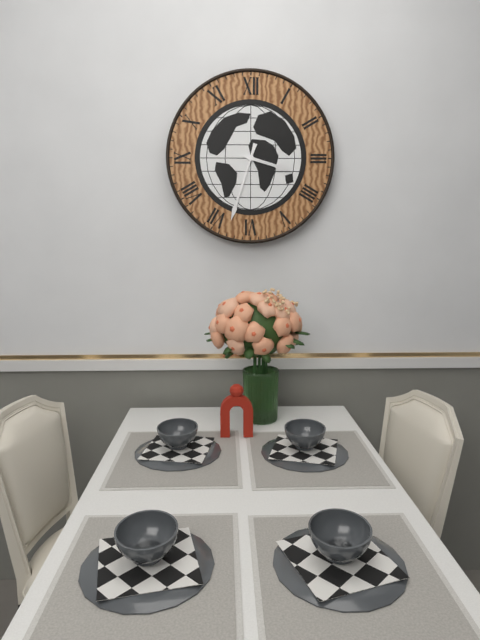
3:33
